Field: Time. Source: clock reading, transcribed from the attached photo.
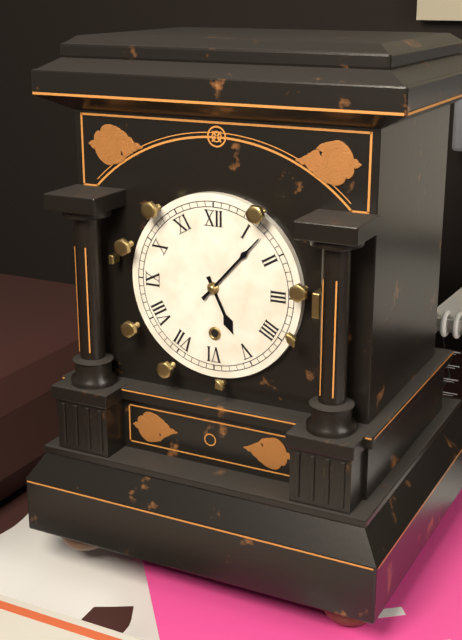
5:07
